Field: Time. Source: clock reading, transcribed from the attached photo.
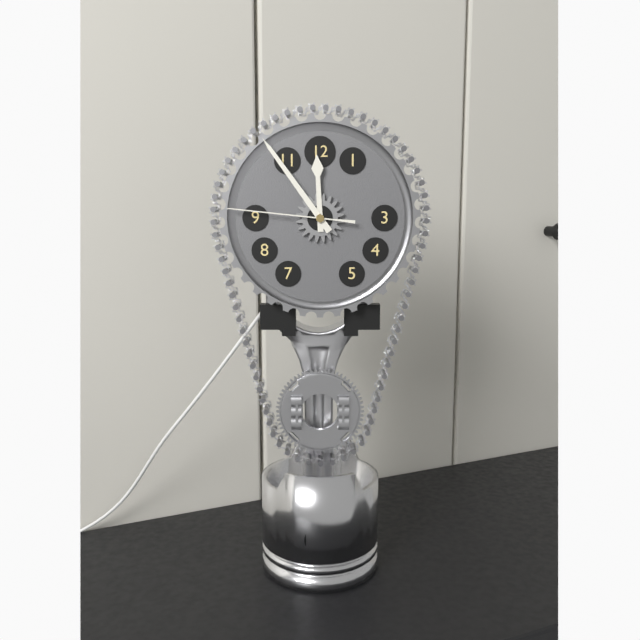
11:54:46
